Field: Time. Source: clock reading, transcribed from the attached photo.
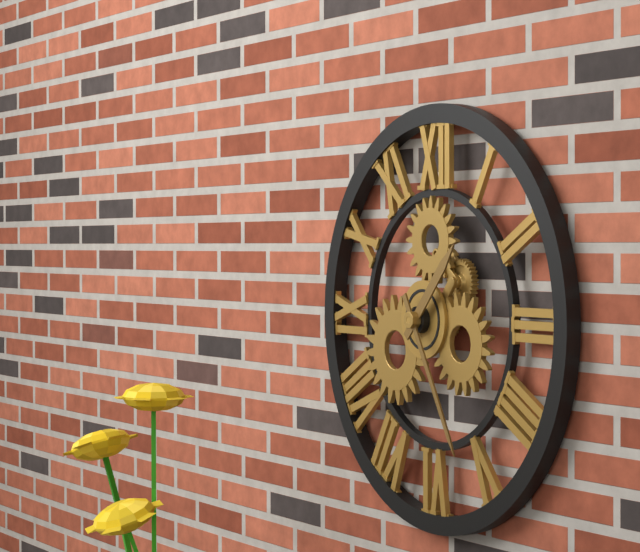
1:25
